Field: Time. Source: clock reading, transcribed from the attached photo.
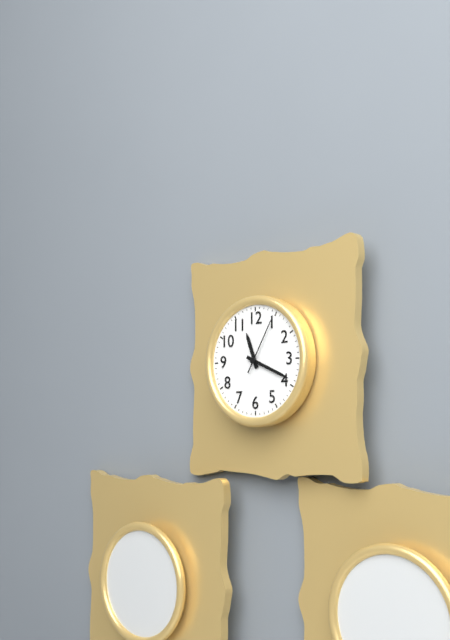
11:19:05
